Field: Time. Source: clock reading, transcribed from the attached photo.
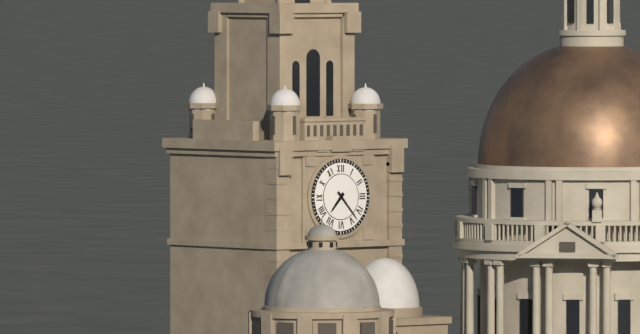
7:23
